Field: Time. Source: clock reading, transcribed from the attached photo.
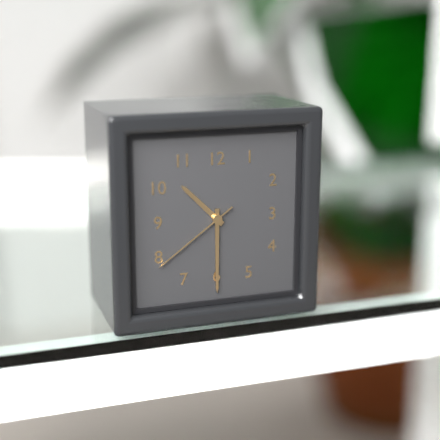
10:30:39
